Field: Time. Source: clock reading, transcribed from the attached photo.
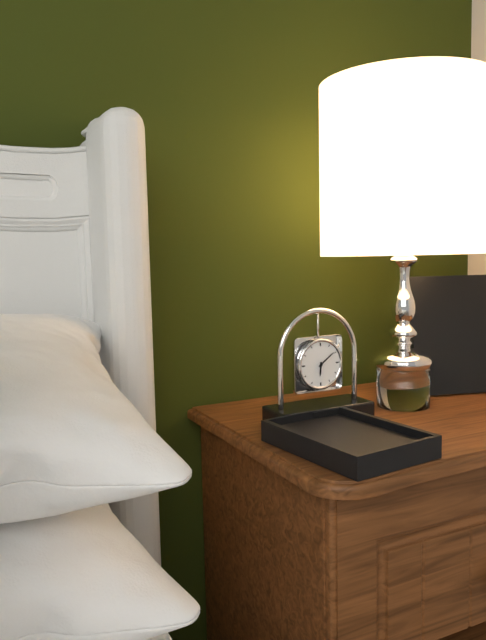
6:09
